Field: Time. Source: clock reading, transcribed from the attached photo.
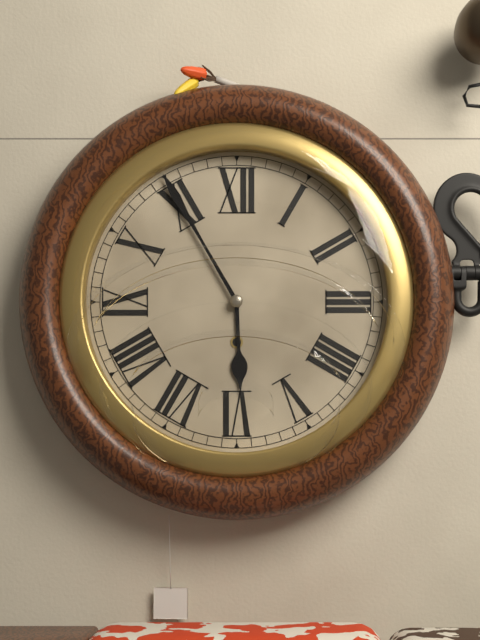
5:55
